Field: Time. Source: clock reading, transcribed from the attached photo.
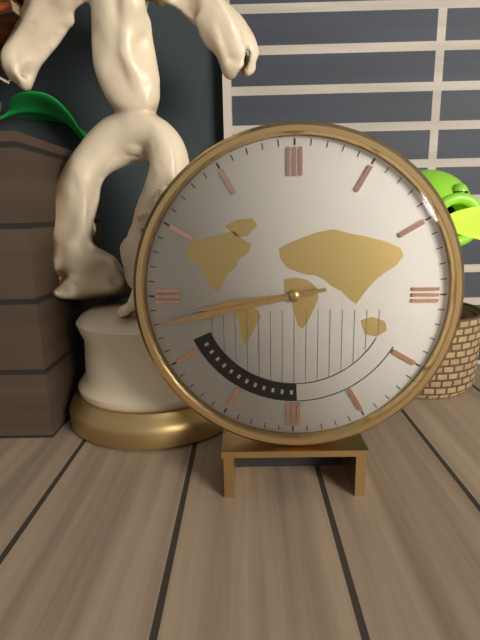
8:43
